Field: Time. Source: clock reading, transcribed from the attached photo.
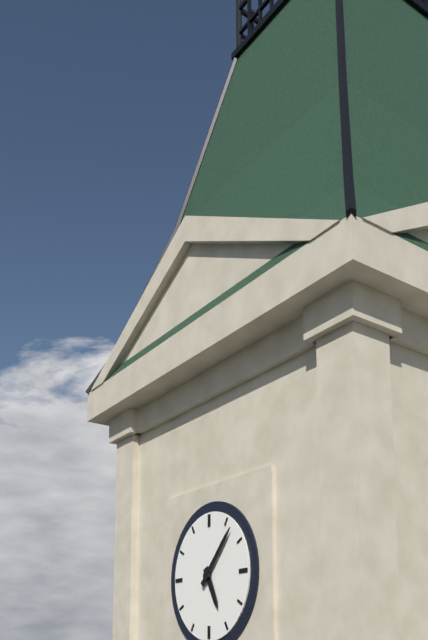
5:07
